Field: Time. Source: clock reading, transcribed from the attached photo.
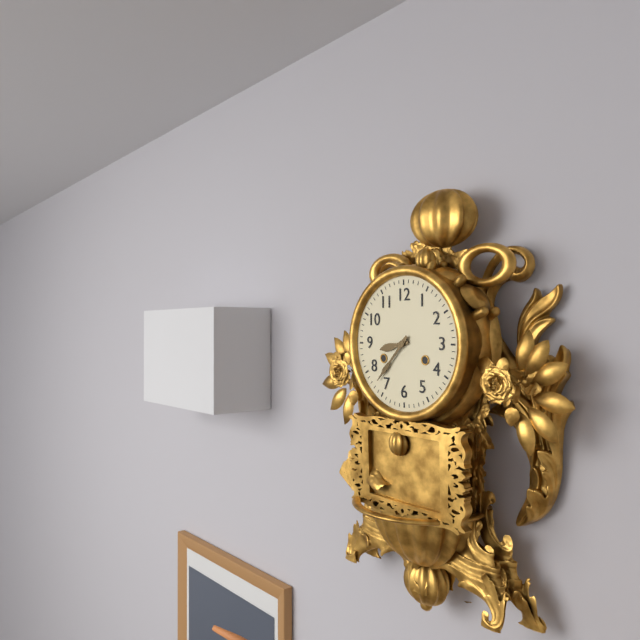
8:37
